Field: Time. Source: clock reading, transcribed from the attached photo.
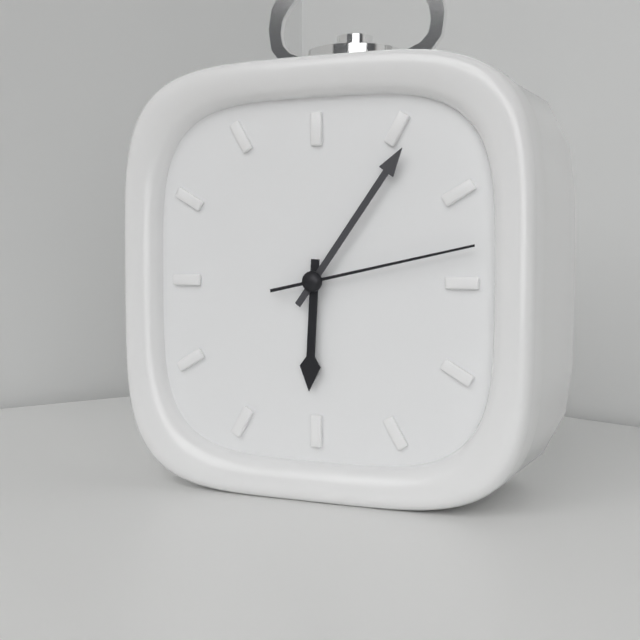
6:06:13
